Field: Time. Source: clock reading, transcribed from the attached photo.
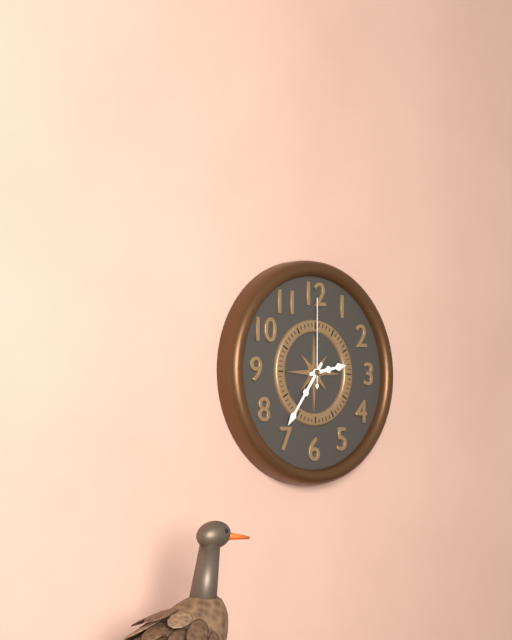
2:36:00
